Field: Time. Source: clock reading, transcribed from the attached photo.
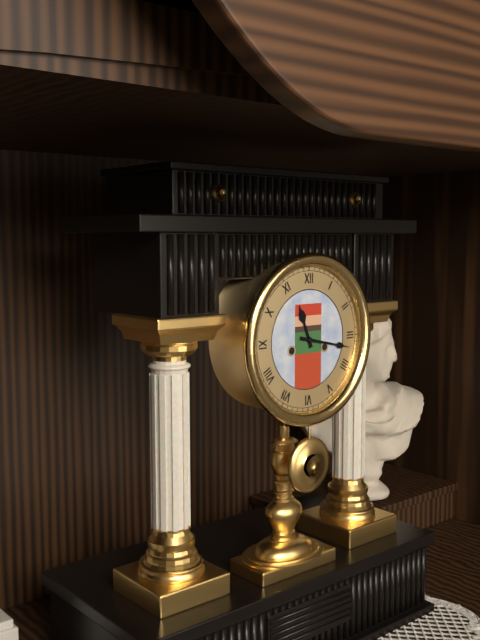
11:17
